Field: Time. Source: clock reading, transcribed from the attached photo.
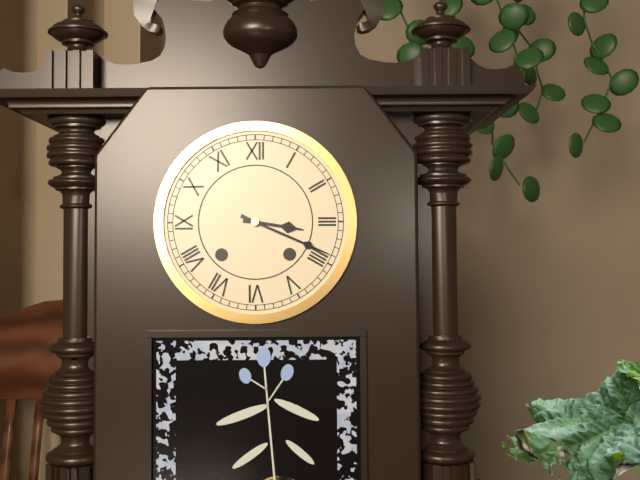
3:19
